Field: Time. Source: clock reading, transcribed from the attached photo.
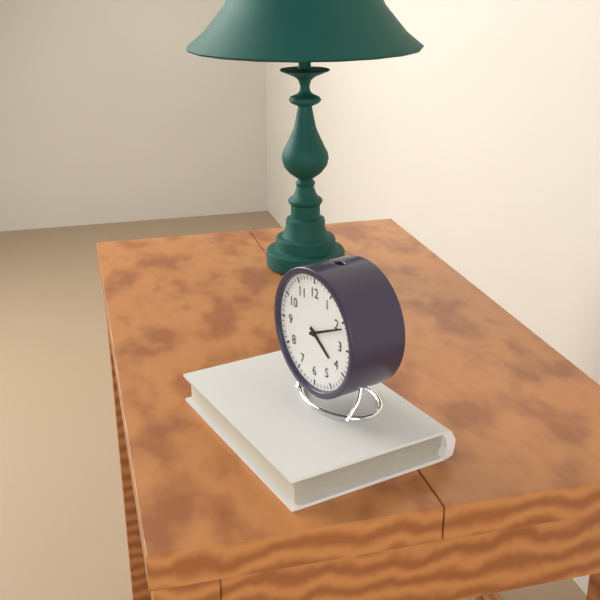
4:11
